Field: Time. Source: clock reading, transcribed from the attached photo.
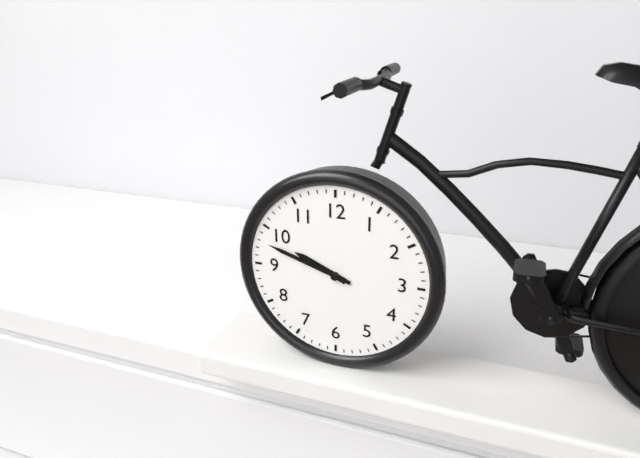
9:48
